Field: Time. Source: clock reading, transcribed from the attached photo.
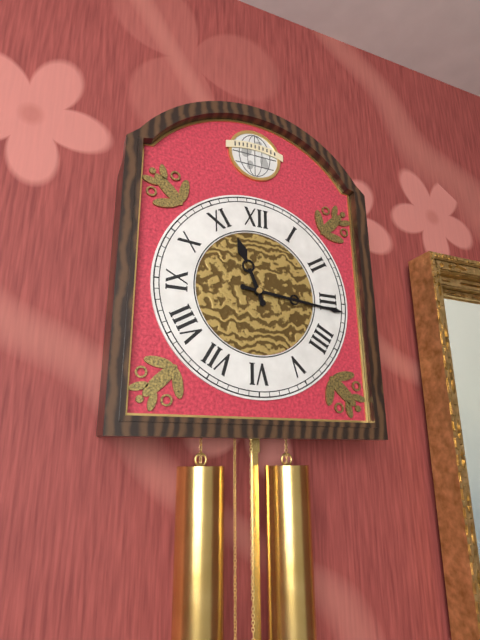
11:16
